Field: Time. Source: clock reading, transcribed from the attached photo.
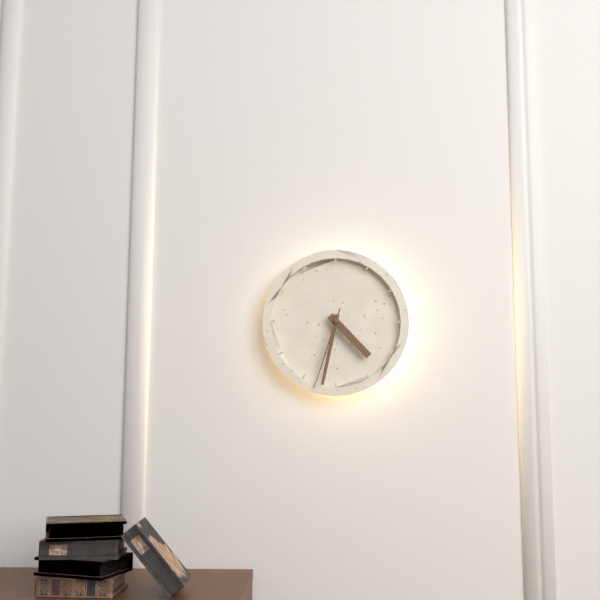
4:32:33
